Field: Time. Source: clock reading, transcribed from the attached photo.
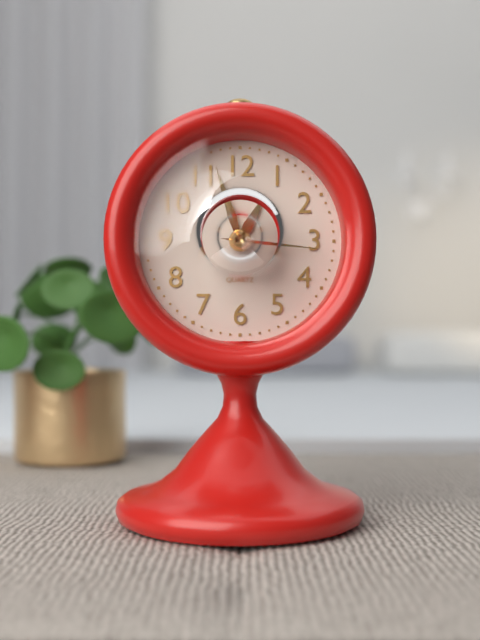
12:57:16
